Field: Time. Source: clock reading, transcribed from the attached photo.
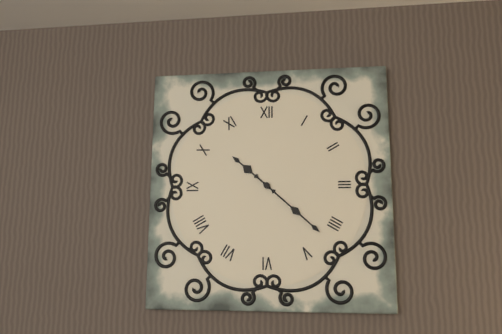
10:22
